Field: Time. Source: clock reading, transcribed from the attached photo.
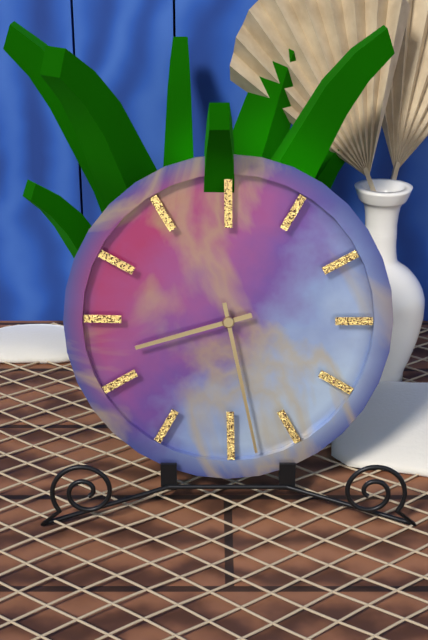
8:28
